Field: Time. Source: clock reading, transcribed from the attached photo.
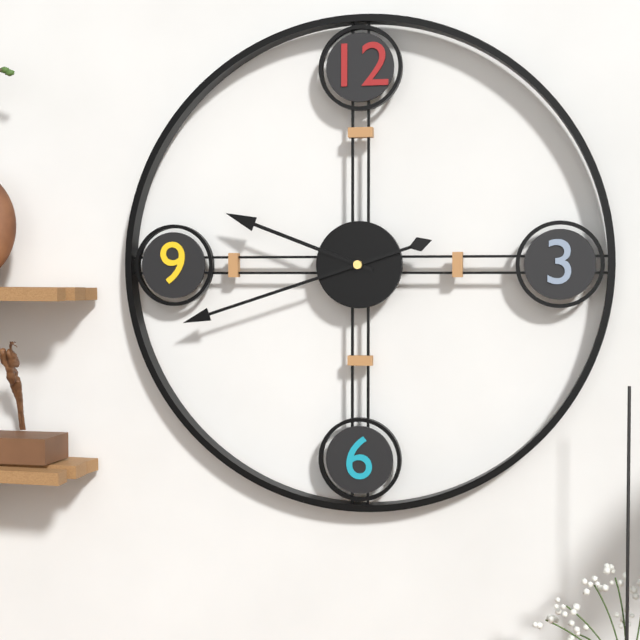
9:42
